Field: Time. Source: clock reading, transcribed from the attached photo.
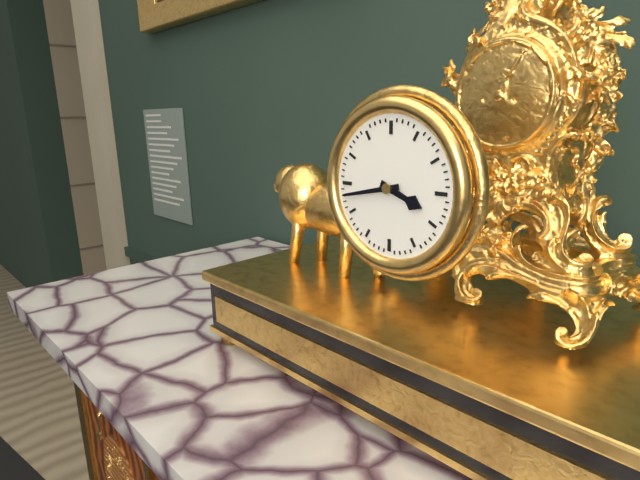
3:43
